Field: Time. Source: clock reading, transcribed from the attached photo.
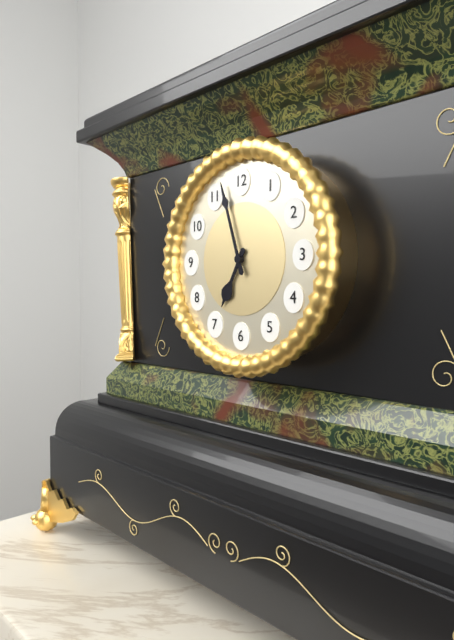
6:57
